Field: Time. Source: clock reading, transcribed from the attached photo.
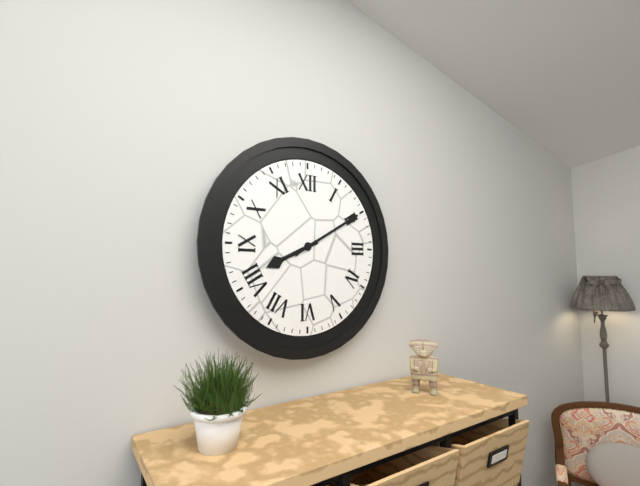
8:10
